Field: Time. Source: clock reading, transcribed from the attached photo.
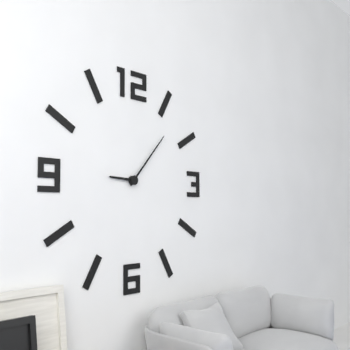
9:07
